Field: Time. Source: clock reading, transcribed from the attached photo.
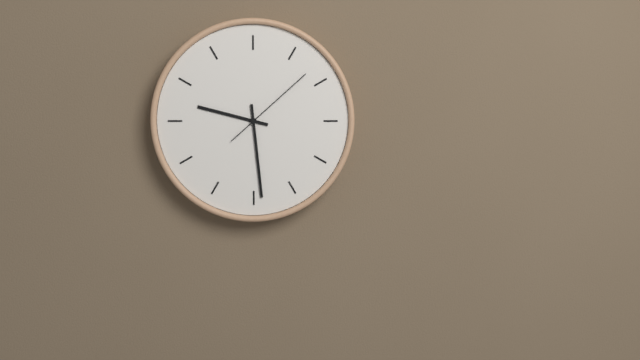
9:29:08
